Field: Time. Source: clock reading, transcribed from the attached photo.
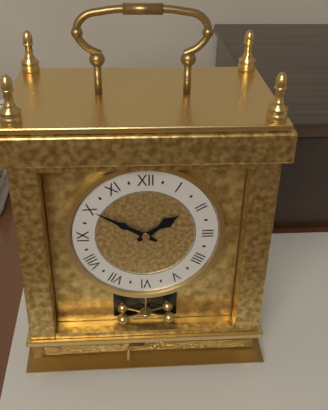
1:50
